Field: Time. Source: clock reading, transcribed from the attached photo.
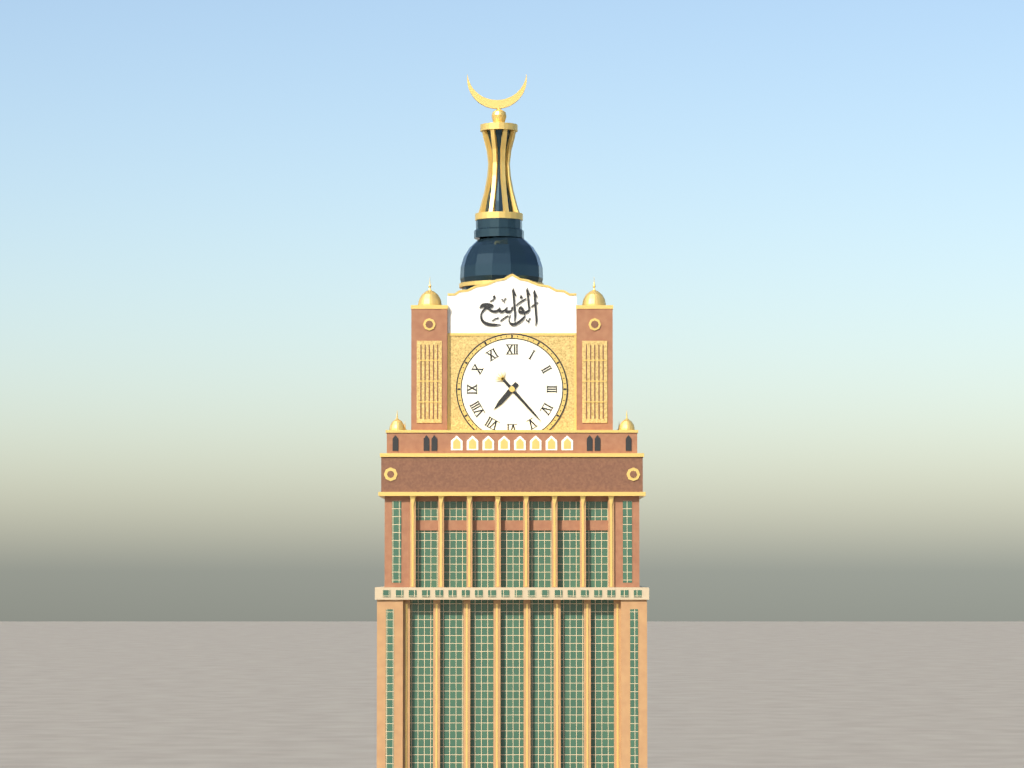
7:23
